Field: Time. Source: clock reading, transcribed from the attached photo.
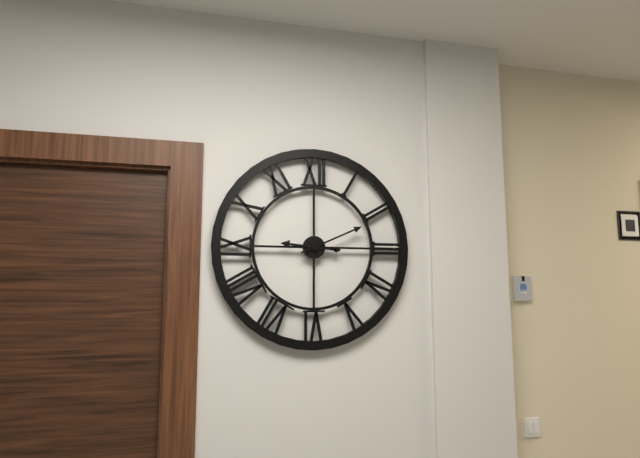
9:11
